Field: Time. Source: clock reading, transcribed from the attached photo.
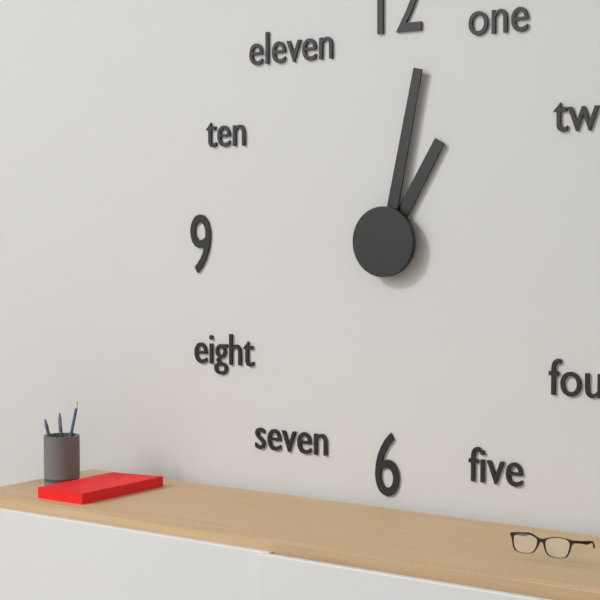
1:02
